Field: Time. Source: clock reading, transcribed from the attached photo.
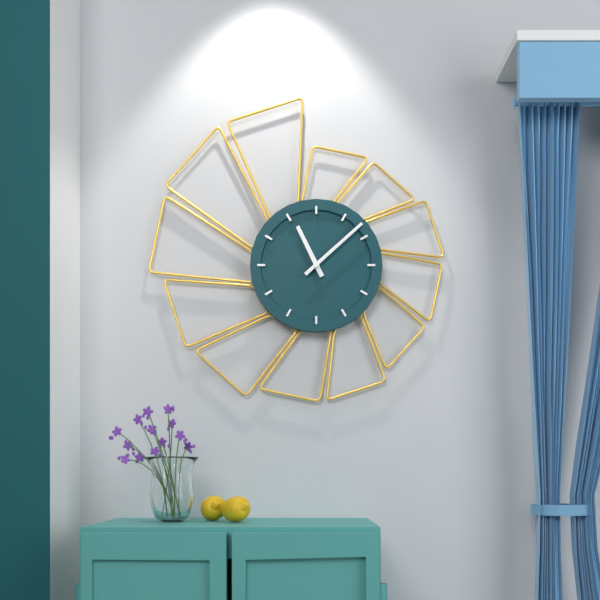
11:08
